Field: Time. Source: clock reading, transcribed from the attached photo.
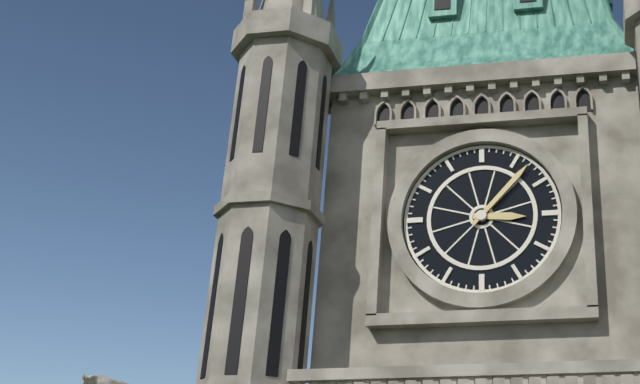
3:07
